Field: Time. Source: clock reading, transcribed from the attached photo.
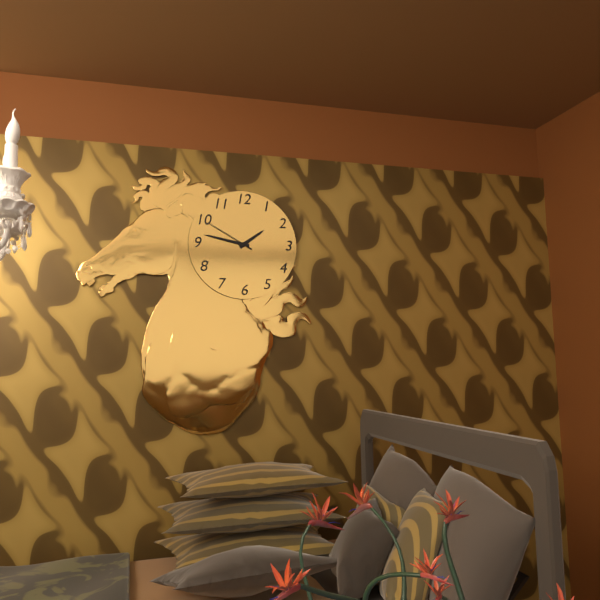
1:47:50
